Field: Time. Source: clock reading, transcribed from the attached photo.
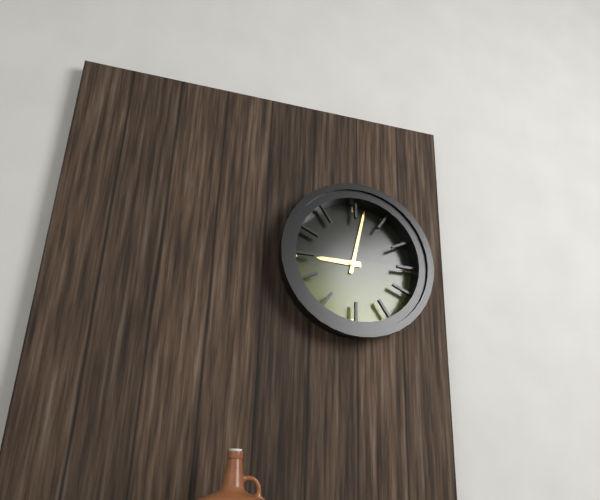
9:02
